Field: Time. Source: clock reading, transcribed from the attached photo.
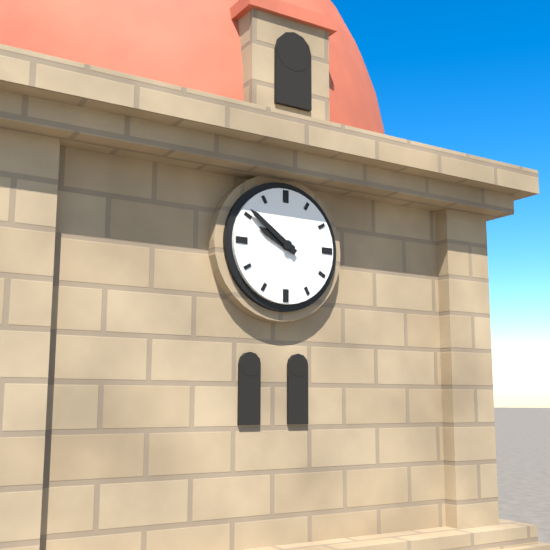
9:51
